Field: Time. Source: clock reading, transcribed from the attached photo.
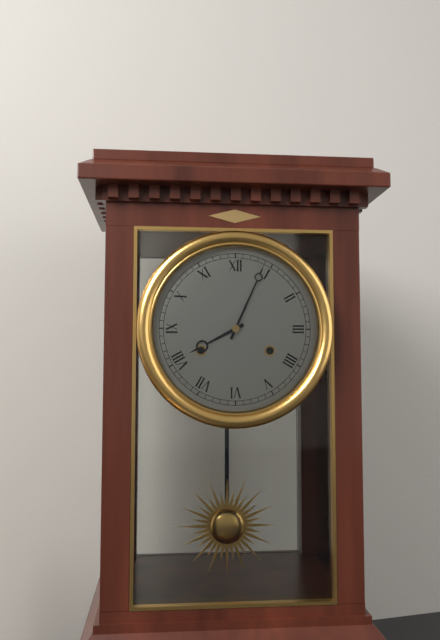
8:04
